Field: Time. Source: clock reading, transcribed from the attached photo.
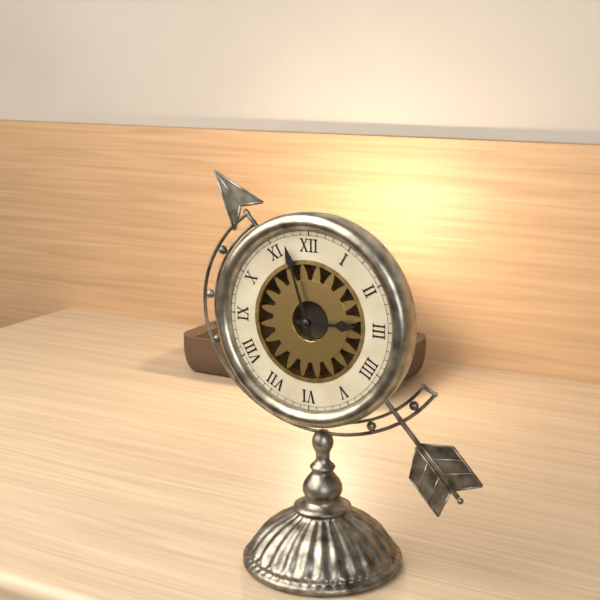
2:57
